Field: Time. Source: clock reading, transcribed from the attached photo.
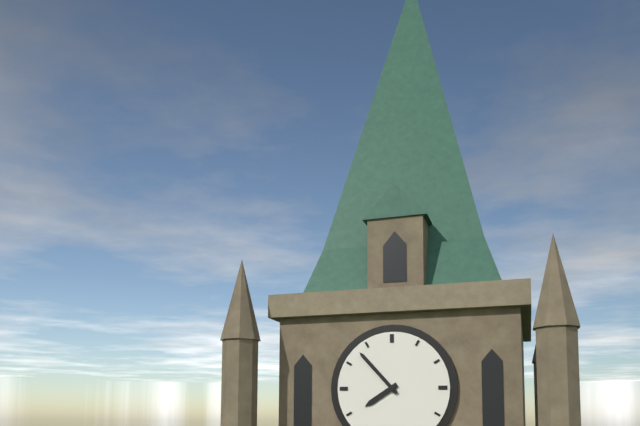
7:53
